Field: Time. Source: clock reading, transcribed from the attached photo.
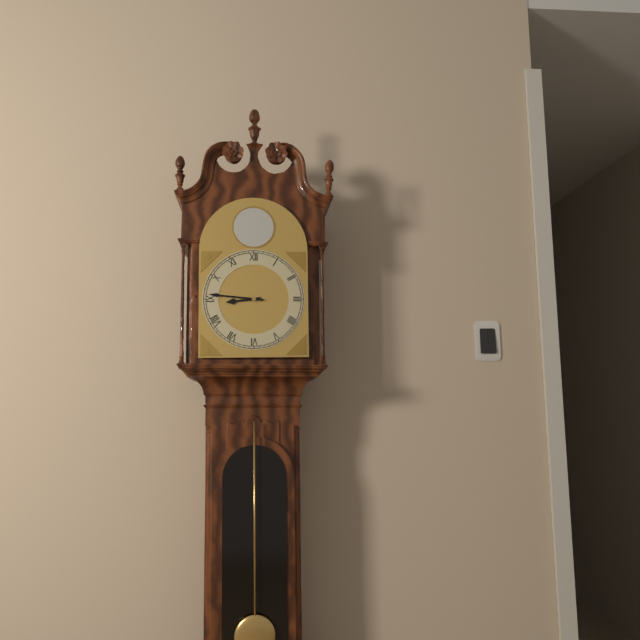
8:46
